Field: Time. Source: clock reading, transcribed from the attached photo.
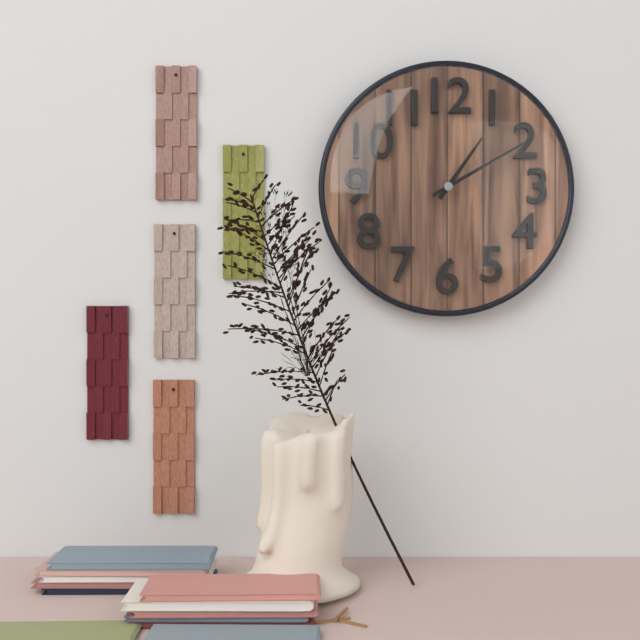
1:10
